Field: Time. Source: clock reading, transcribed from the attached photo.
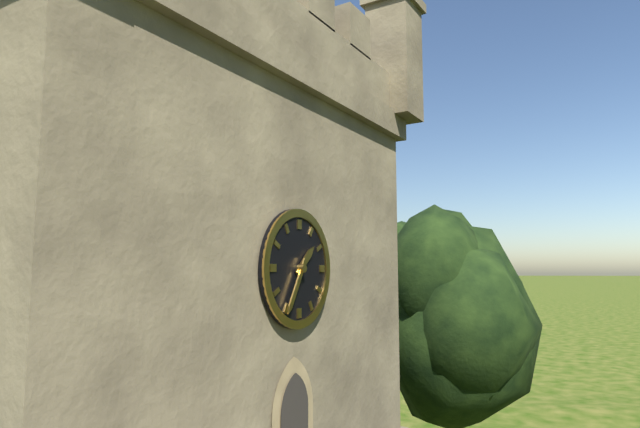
1:35
